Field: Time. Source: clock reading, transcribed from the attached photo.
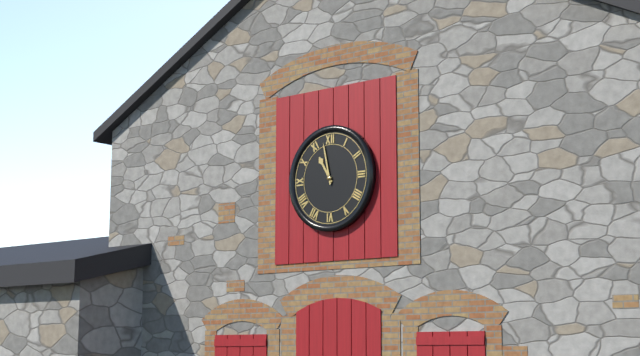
10:58
